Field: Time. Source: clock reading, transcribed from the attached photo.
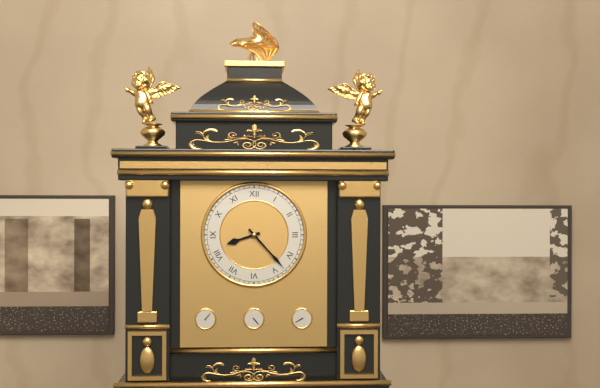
8:23
